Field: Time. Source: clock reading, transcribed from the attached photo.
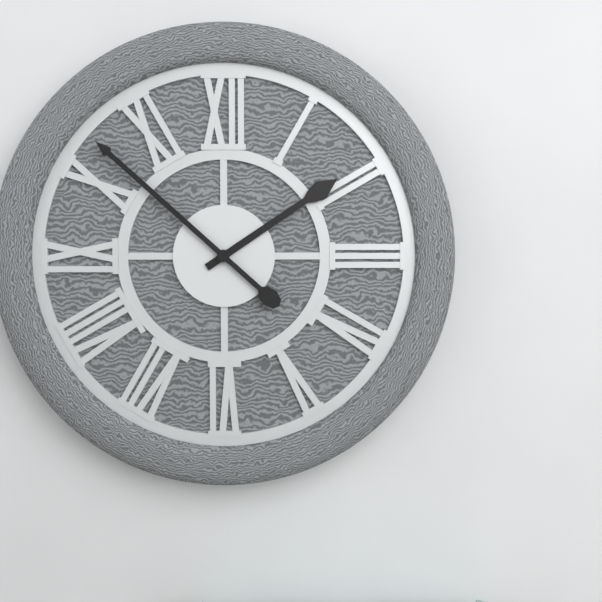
1:52
